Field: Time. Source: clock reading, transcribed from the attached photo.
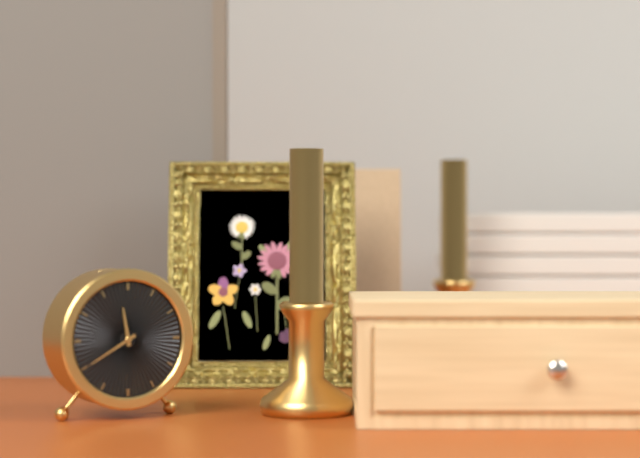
11:40
